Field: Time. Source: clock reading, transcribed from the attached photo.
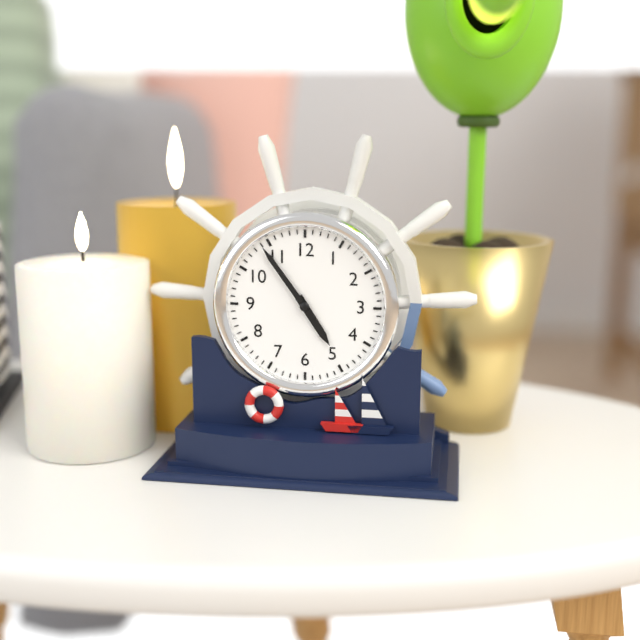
4:54
